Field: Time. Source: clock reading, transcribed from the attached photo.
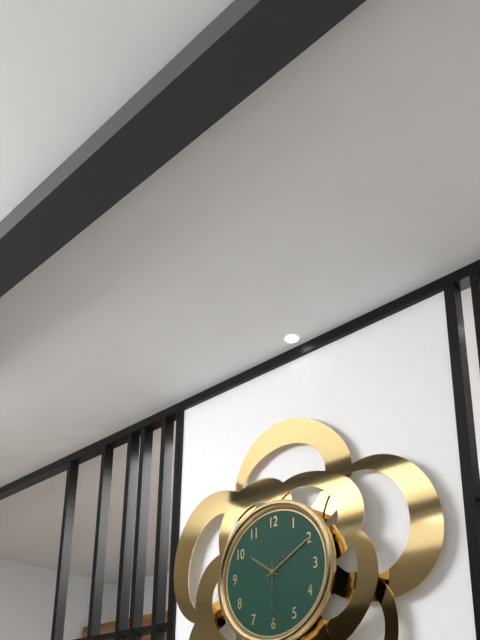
10:10:30
